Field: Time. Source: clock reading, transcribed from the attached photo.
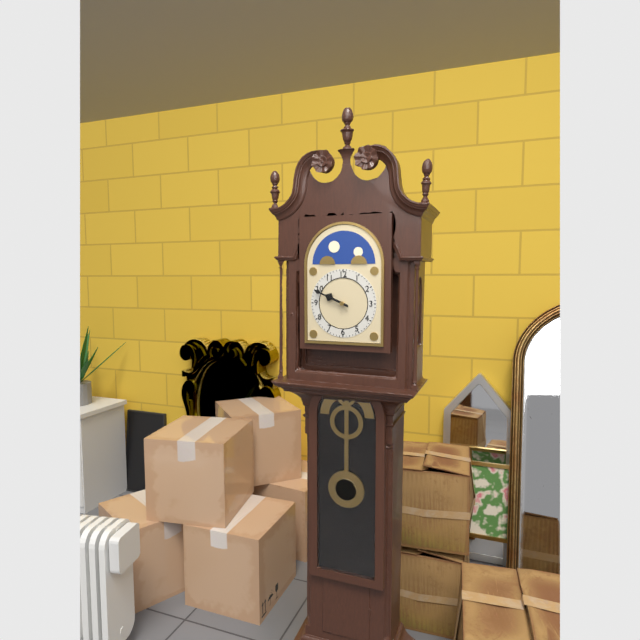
9:49
